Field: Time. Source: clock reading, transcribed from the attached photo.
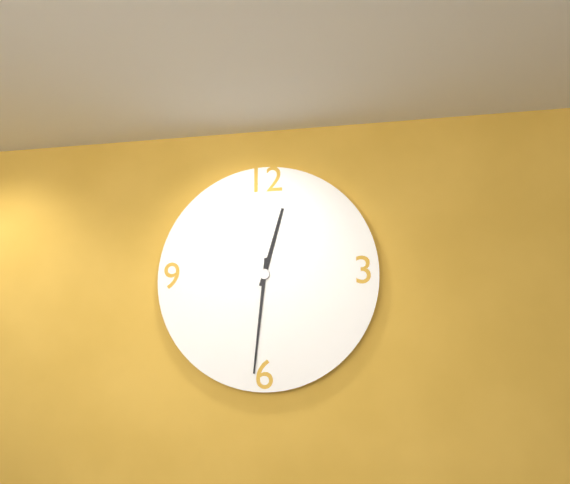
12:31
